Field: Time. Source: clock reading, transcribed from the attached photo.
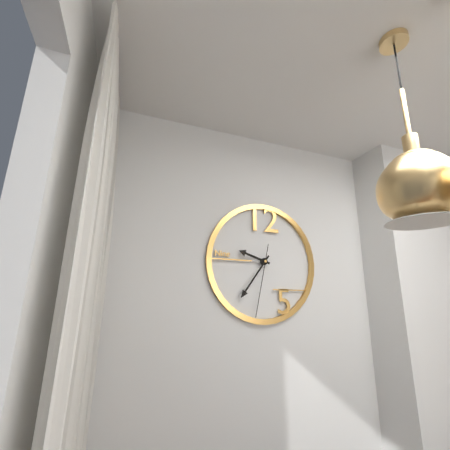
9:36:32
